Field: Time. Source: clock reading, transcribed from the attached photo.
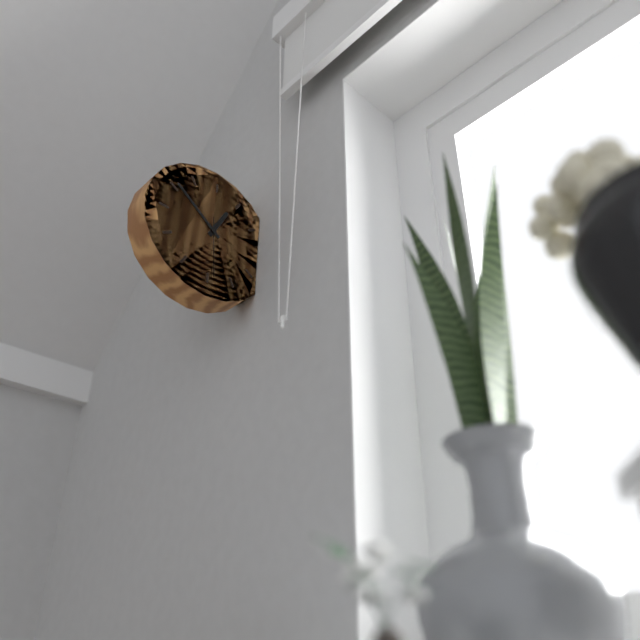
12:51:29
